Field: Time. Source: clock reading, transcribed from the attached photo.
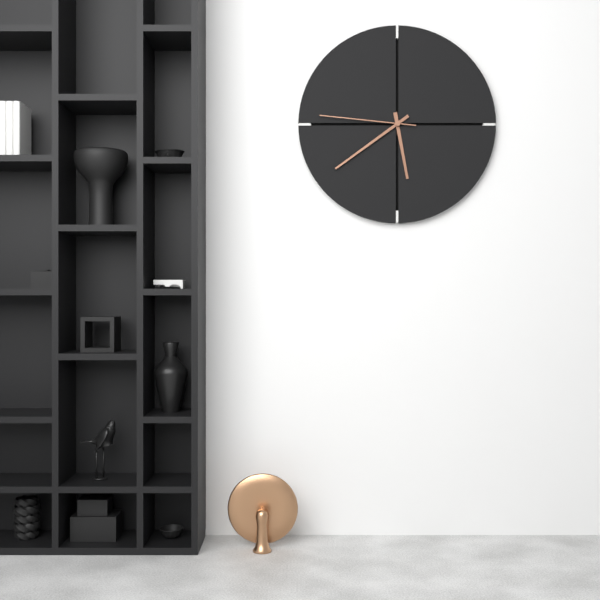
5:39:46
